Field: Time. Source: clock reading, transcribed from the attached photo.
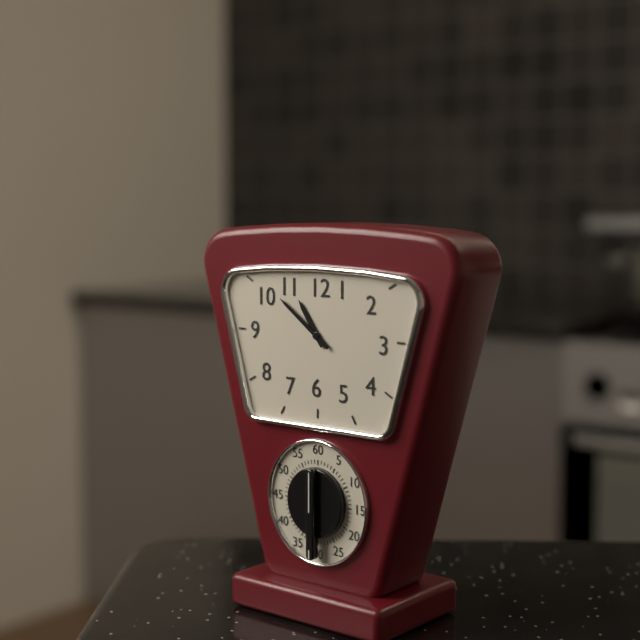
10:51
